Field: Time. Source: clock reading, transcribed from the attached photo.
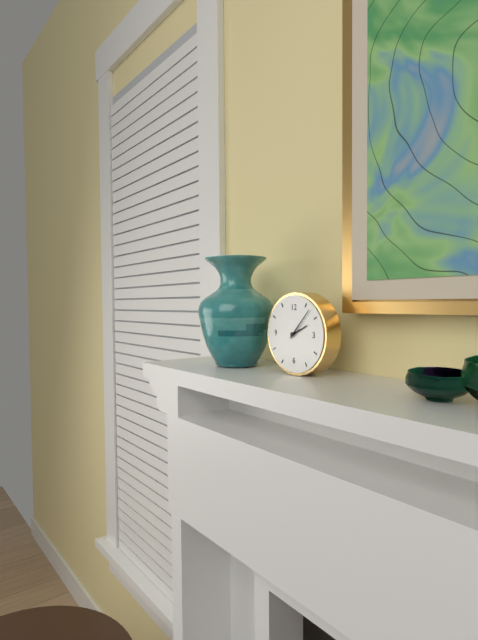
2:07
